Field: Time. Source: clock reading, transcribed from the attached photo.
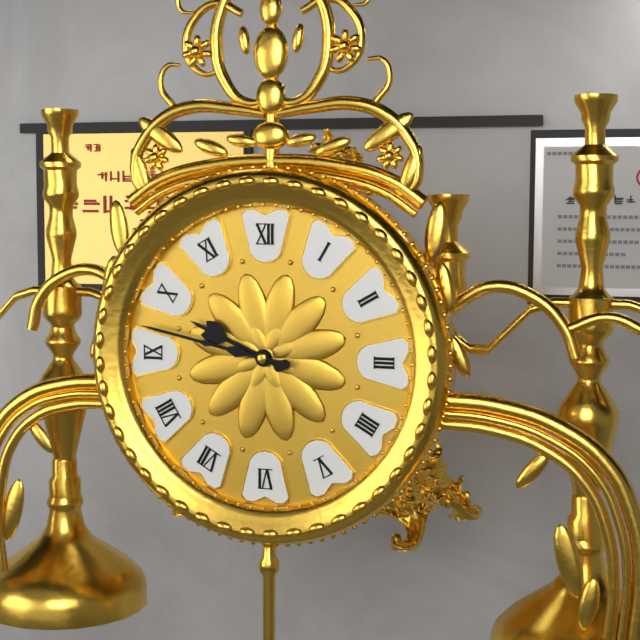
9:47
